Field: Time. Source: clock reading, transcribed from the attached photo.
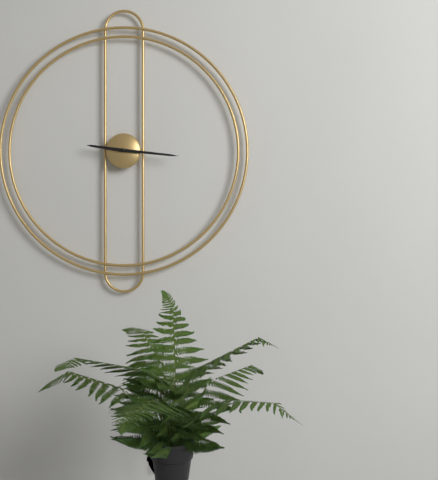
9:16
